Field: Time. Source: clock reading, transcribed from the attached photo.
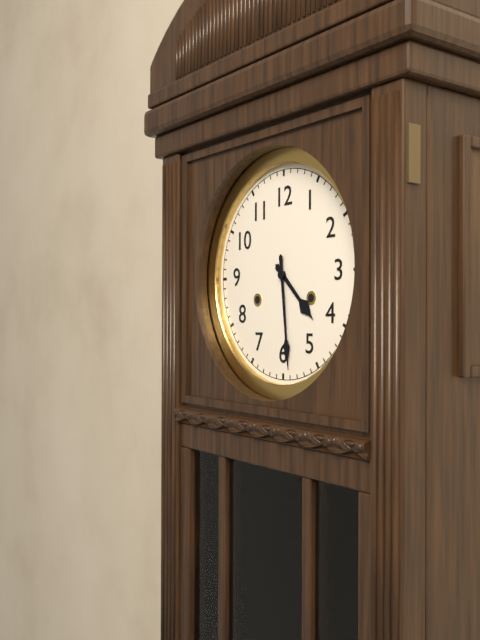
4:29
